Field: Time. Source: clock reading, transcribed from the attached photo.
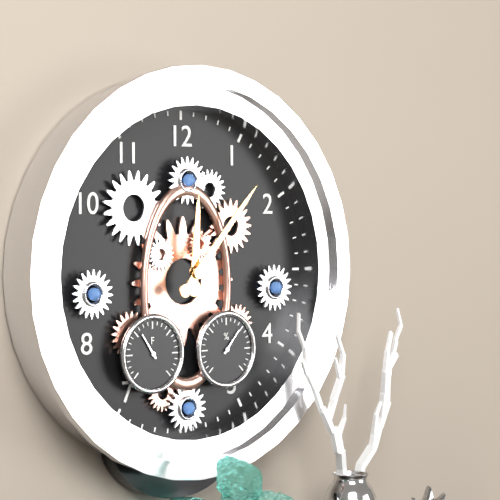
12:07
